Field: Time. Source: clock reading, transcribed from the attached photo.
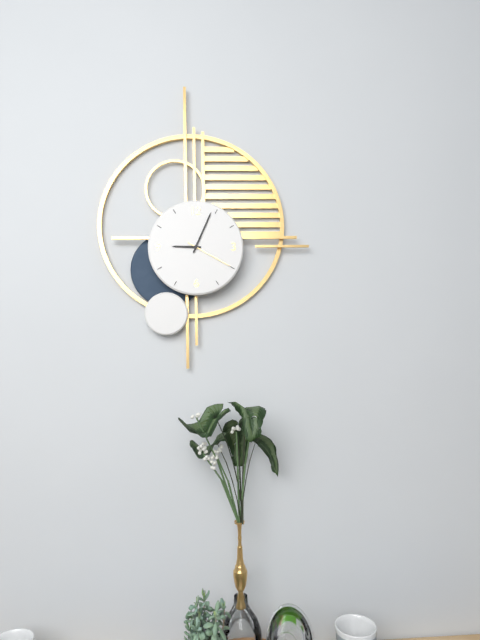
9:04
